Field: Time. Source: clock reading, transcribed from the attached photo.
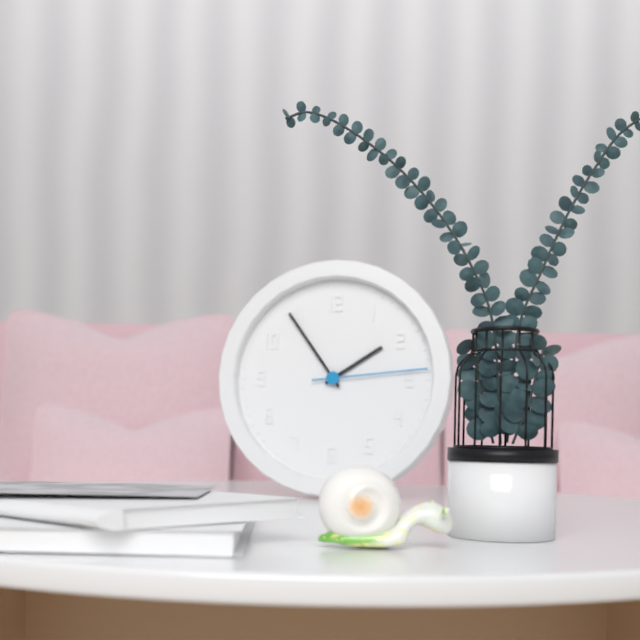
1:54:14
